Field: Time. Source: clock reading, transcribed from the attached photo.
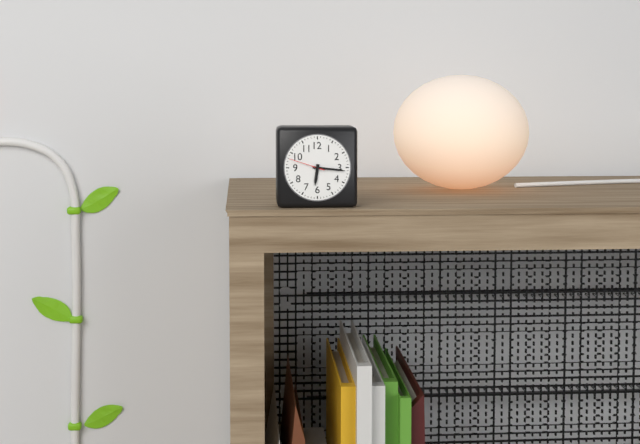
6:16
